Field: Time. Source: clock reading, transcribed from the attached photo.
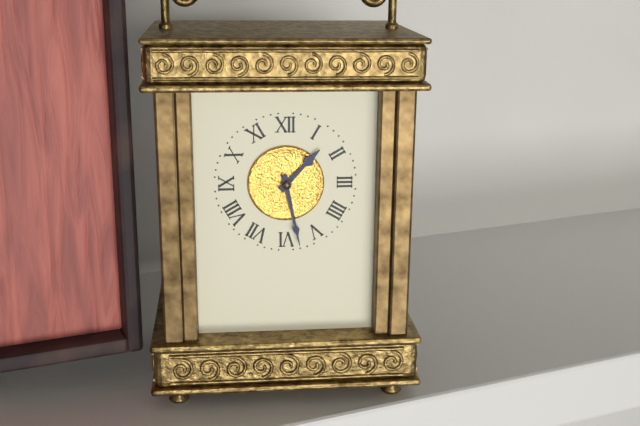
1:28
